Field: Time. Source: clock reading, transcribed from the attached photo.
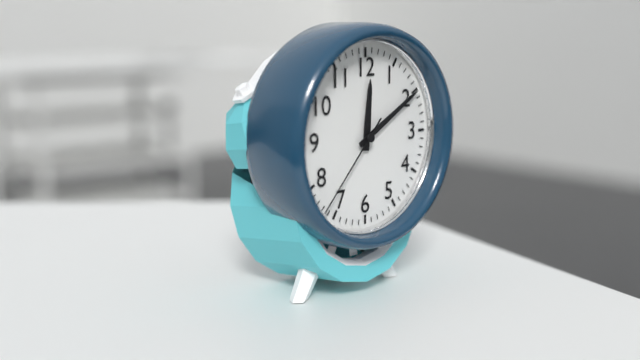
12:10:37
